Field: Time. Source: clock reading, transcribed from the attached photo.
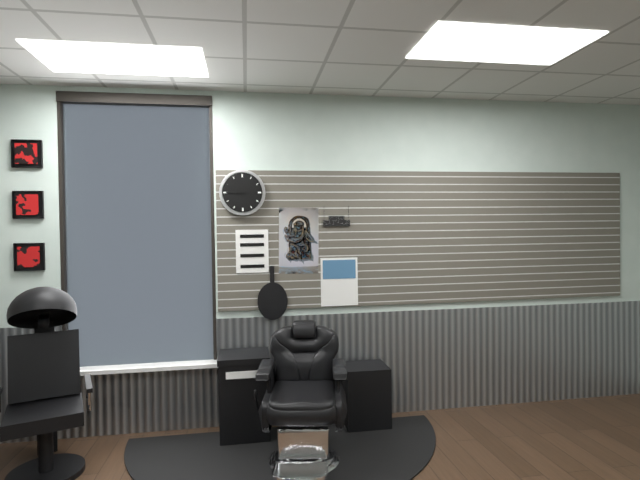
9:45
